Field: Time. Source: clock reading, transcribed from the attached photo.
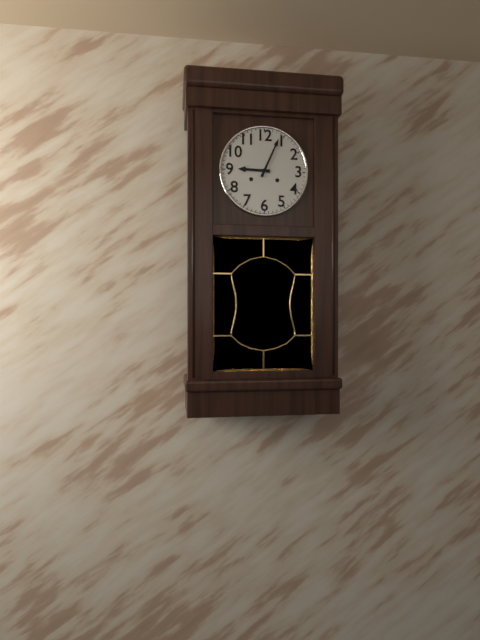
9:04
